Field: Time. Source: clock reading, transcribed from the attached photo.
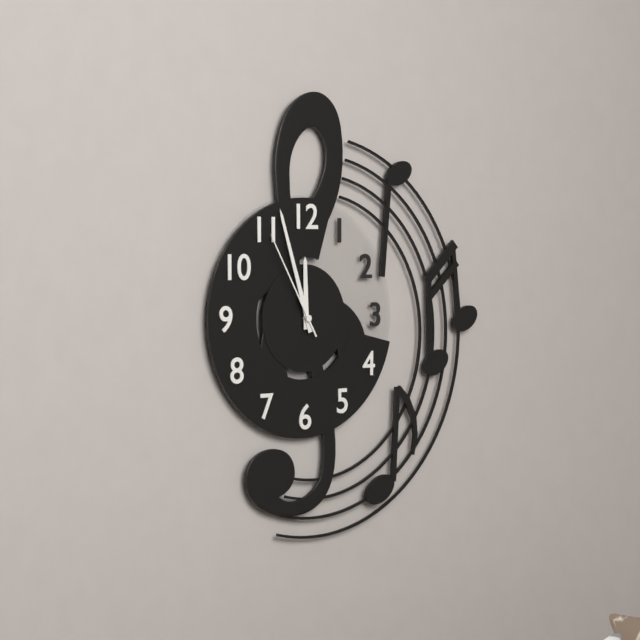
11:57:55
